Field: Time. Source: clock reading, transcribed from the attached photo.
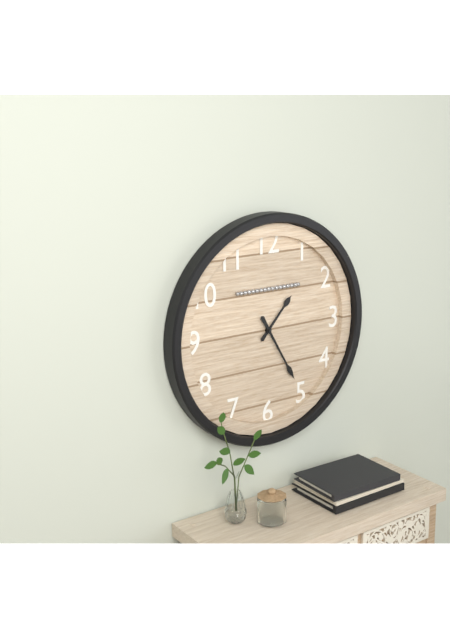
1:25
